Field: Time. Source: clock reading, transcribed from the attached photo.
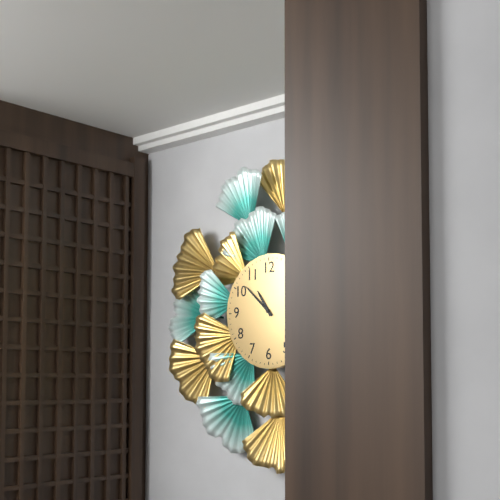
10:52
